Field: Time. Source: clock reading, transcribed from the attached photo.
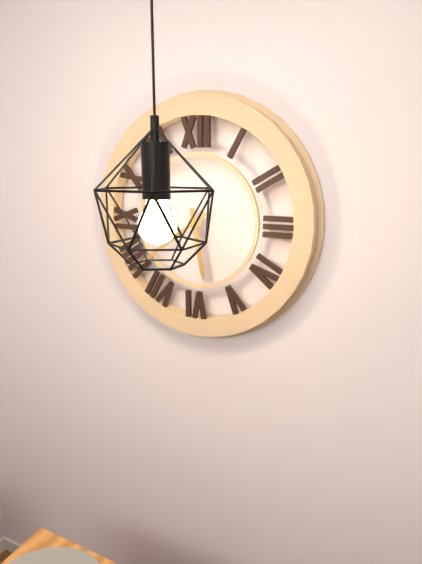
5:39
